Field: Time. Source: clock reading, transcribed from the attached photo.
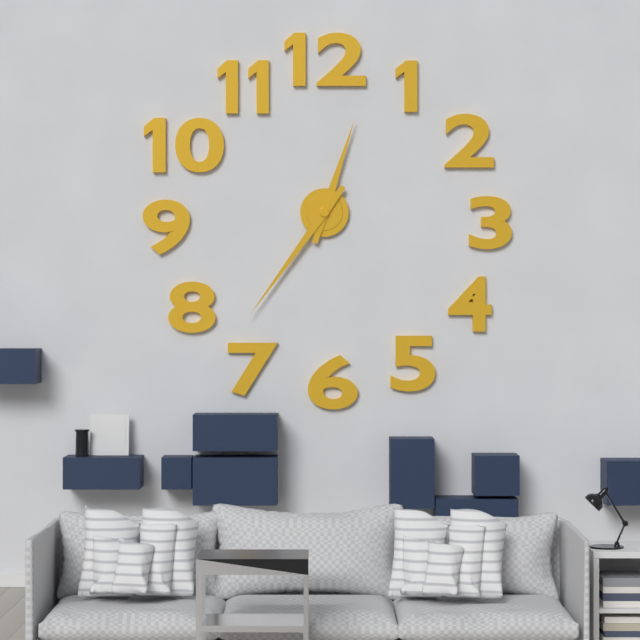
12:36
